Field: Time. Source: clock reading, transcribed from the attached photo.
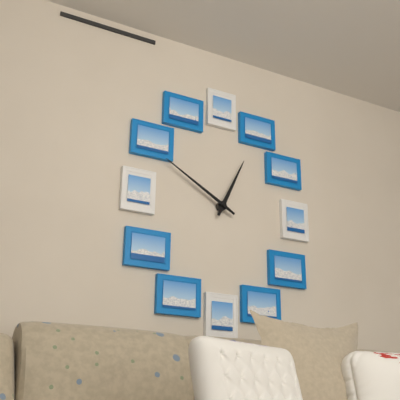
12:50
